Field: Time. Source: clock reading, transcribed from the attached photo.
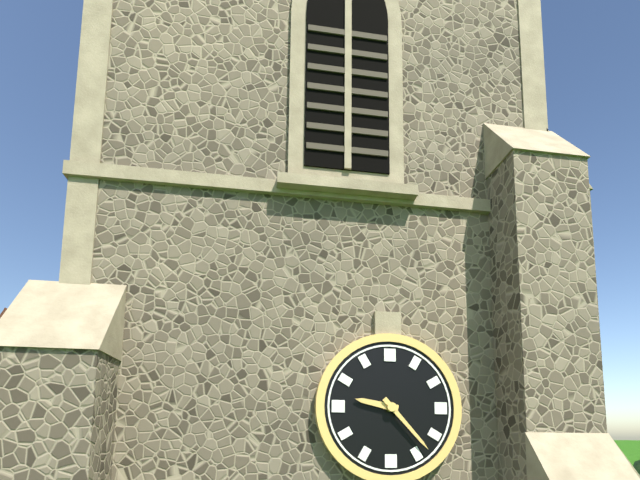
9:23
